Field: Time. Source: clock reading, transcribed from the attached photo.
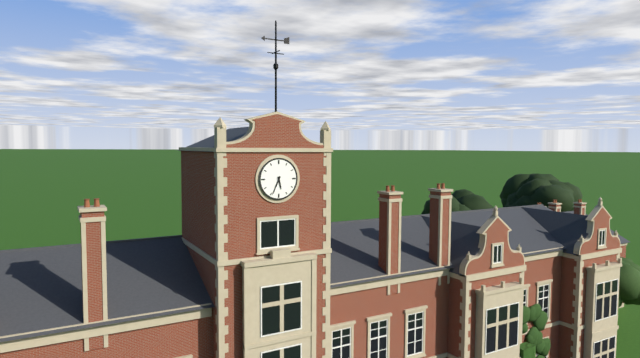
5:34
